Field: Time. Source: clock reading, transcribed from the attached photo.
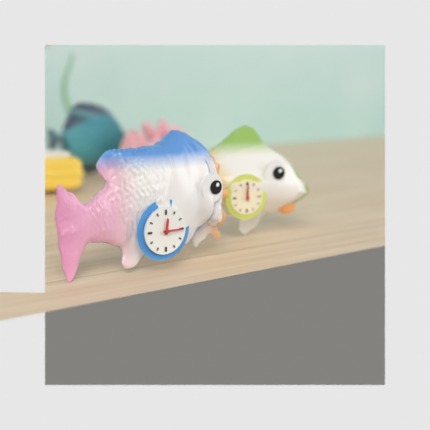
12:15
